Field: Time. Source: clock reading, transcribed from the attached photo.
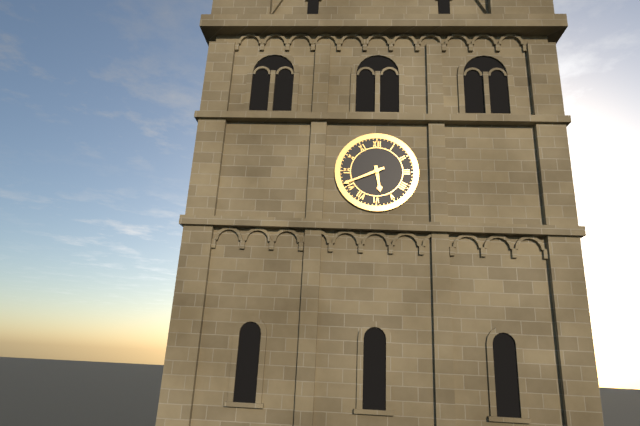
5:41
